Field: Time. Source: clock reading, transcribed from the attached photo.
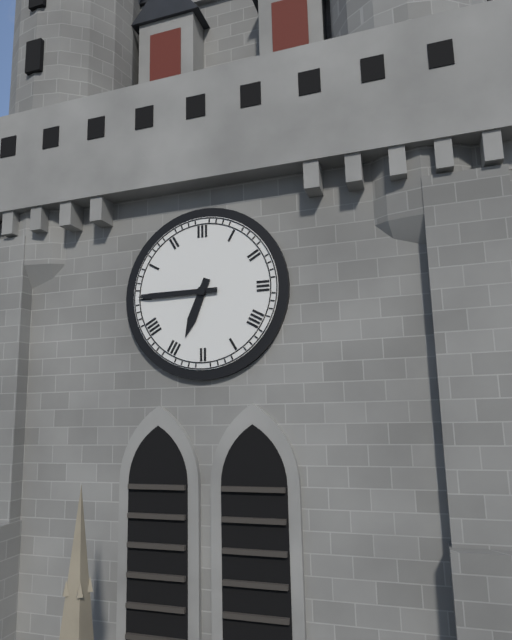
6:45
